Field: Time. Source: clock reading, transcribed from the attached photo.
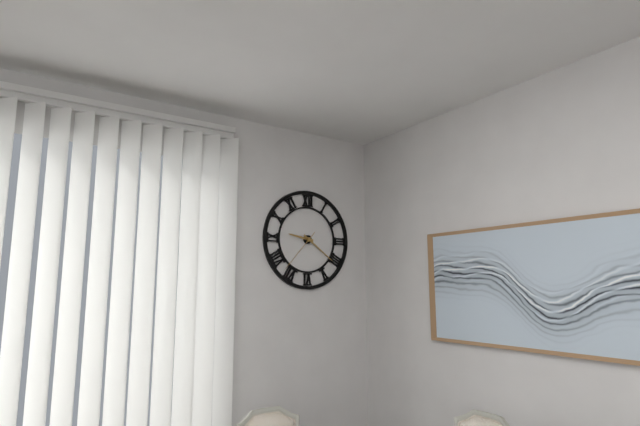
9:21
